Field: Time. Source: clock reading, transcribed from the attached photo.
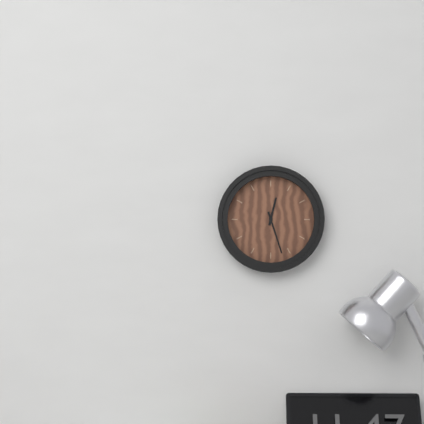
12:27
